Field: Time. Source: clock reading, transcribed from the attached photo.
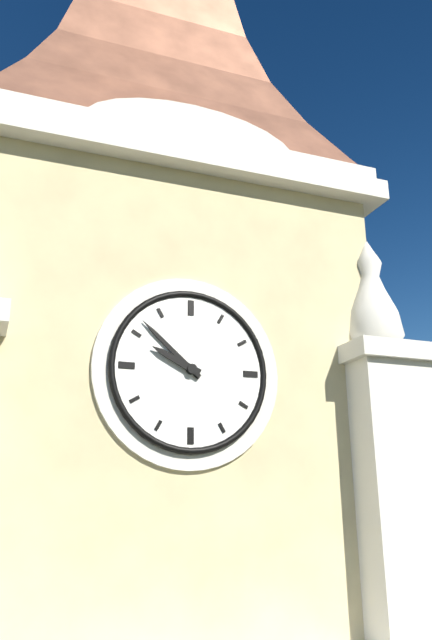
9:52
